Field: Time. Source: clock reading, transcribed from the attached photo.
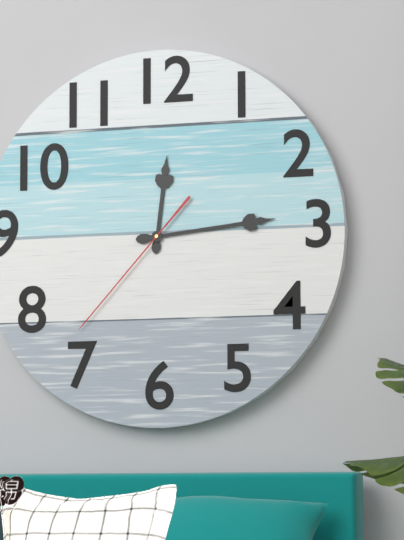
12:14:37
